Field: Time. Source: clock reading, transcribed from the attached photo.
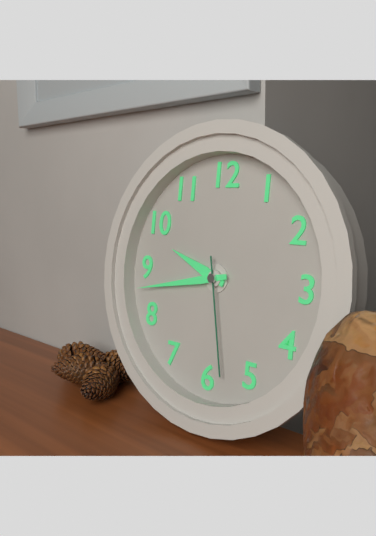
9:43:28
